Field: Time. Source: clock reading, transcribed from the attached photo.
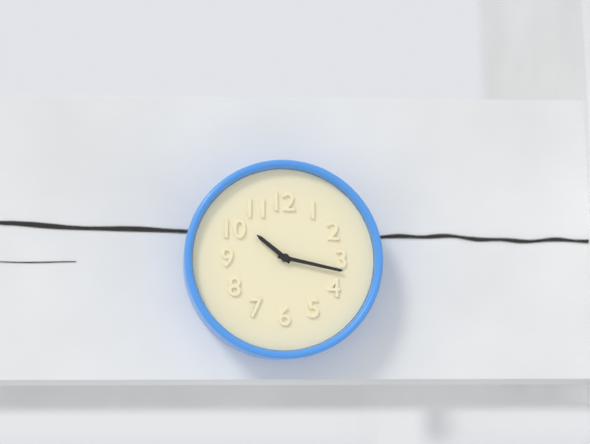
10:17
